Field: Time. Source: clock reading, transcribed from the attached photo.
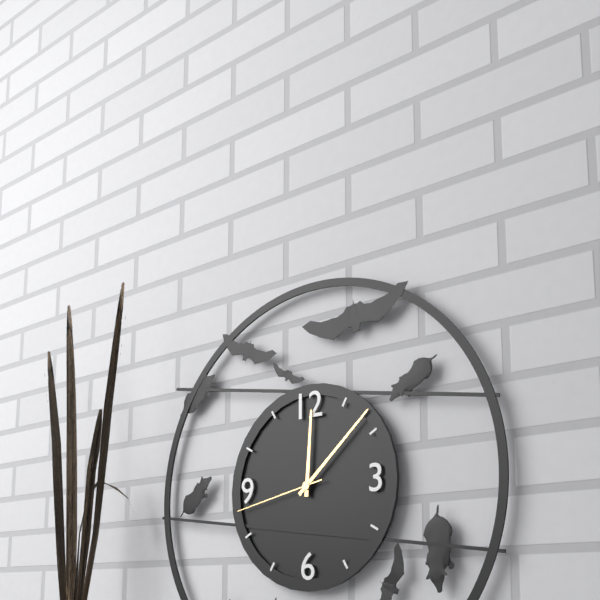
12:08:43
